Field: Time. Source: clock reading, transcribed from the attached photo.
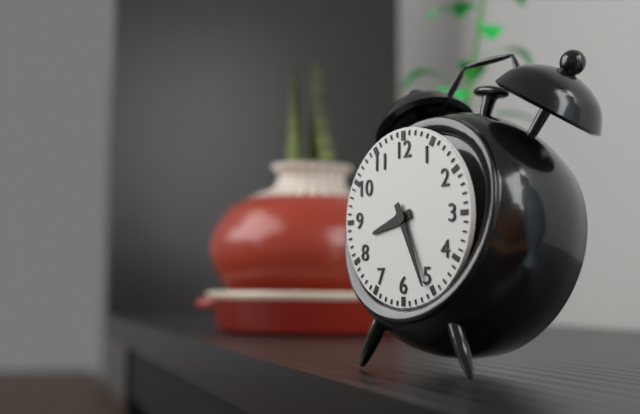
8:26
